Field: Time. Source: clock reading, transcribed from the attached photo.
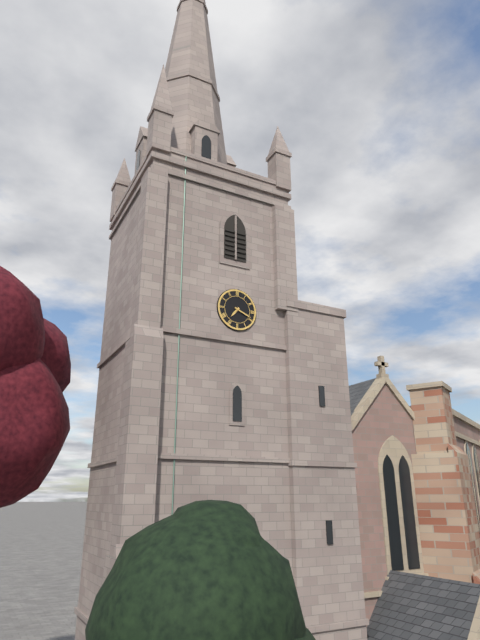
7:19
